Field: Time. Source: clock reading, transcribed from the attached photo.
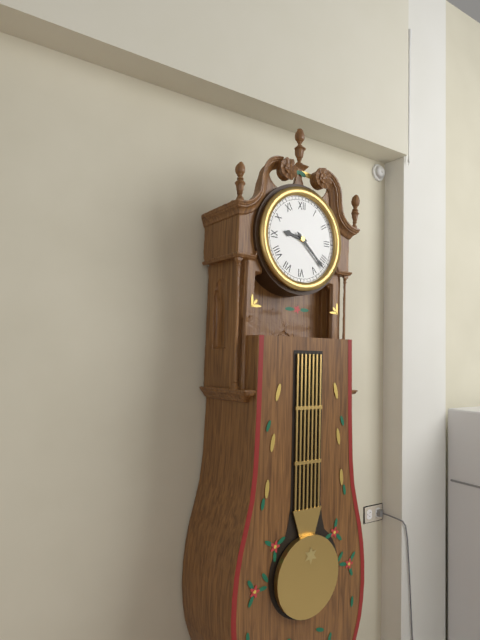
9:22
